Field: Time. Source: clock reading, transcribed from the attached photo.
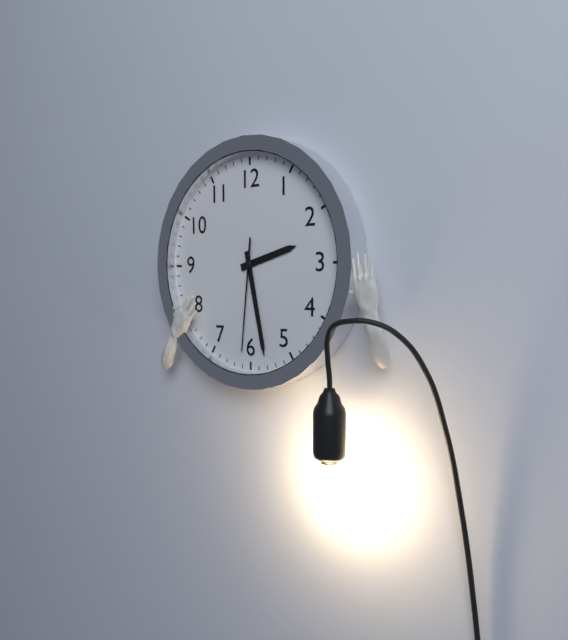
2:28:31
